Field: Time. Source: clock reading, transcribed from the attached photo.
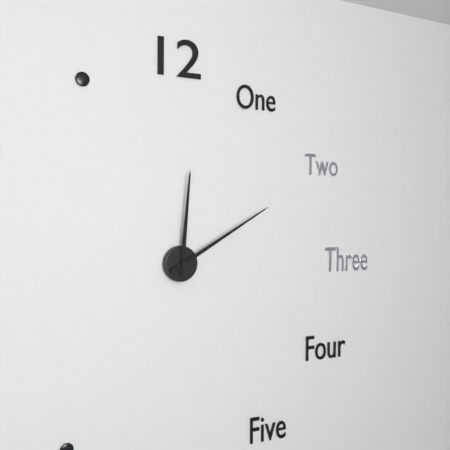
12:10
